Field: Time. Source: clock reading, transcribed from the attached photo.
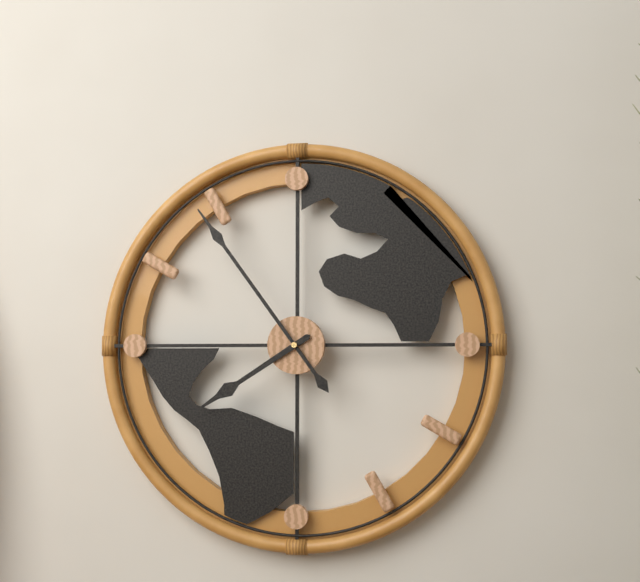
7:54
